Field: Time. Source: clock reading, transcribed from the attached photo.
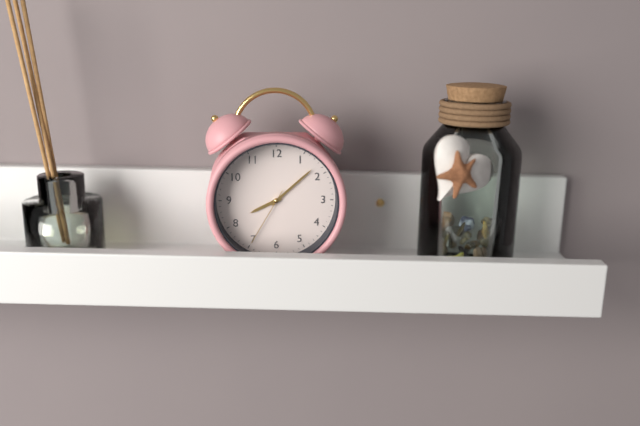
8:08:35
